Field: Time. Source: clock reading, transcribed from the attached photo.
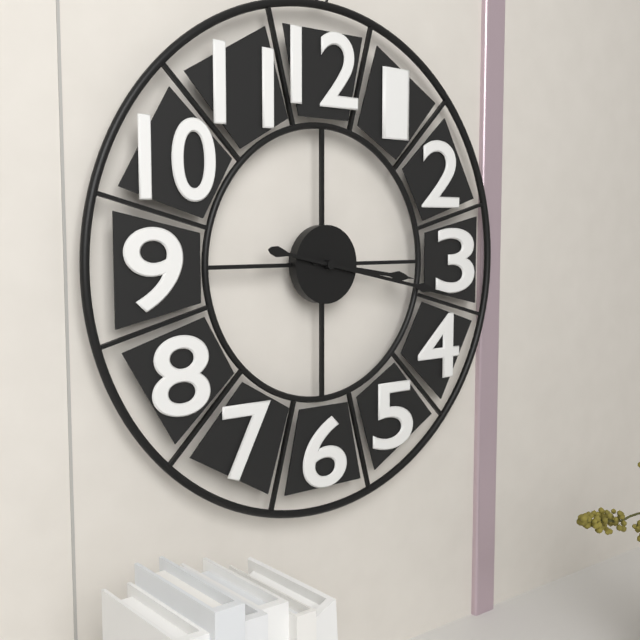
3:17
